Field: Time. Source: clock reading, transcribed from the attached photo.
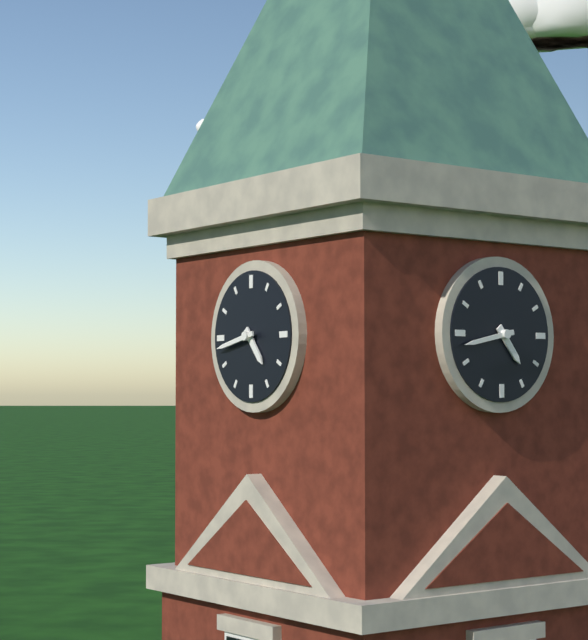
4:43
